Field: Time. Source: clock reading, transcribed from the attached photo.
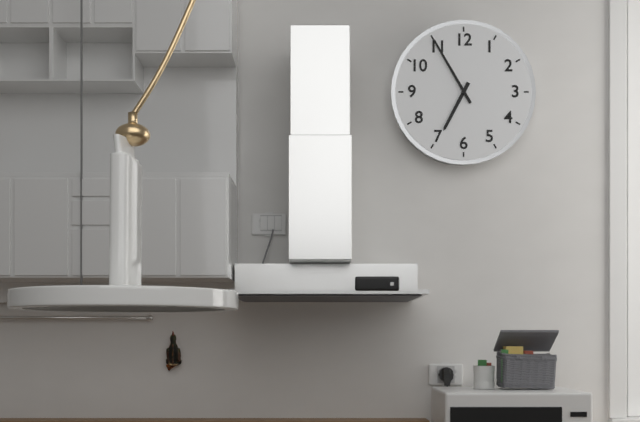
6:55
